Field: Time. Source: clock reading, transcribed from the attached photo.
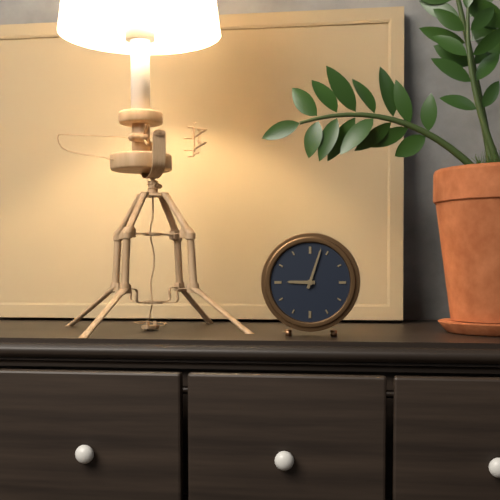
9:03
